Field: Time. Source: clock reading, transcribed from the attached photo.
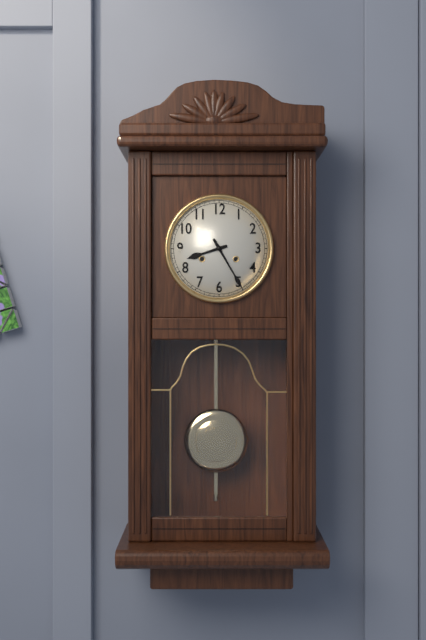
8:25
